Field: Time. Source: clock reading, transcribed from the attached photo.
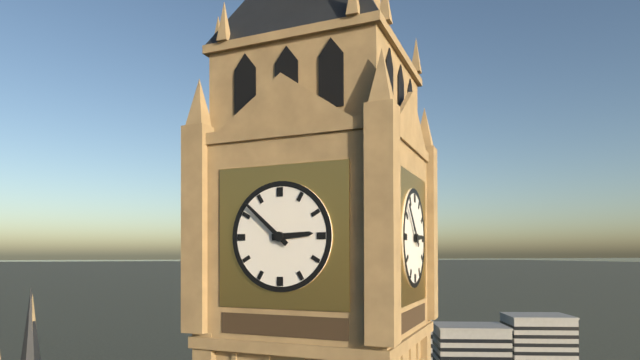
2:52
